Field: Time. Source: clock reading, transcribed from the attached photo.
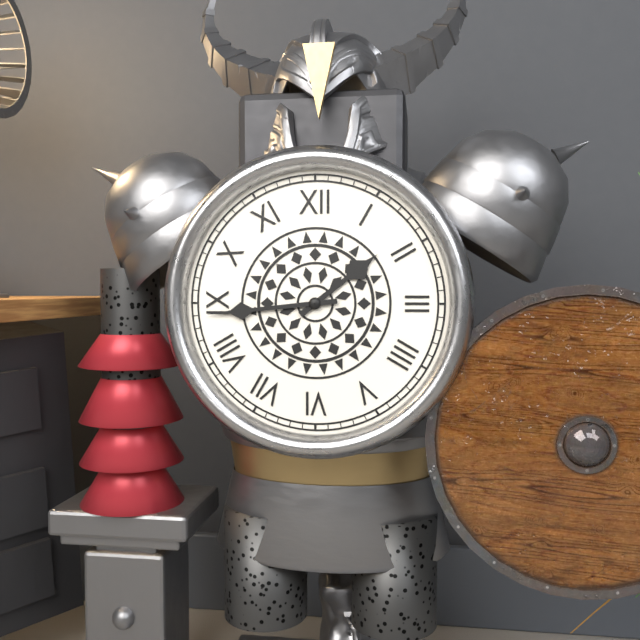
1:44
